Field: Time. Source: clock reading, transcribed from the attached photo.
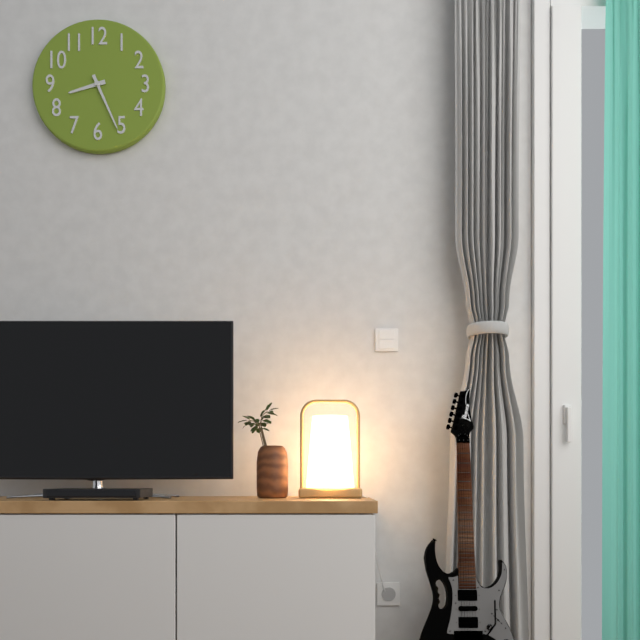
8:26
